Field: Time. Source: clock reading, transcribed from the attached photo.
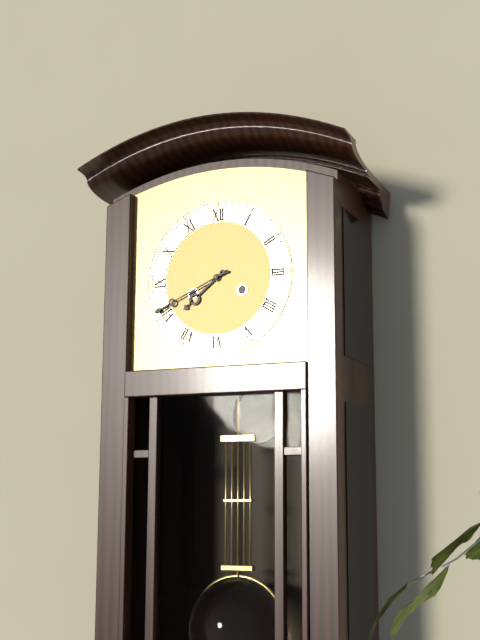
7:41
